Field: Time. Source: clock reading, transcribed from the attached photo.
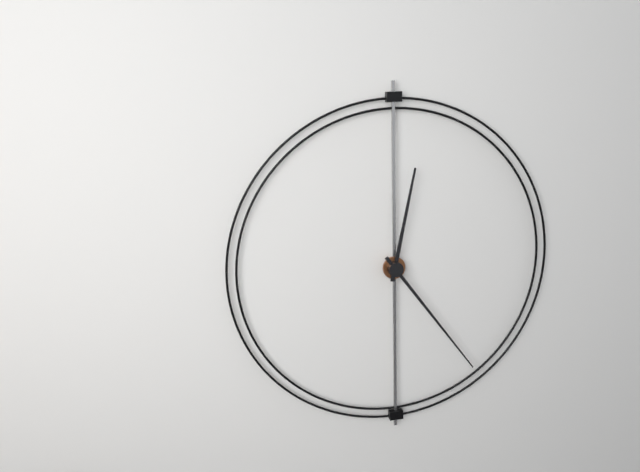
12:24
